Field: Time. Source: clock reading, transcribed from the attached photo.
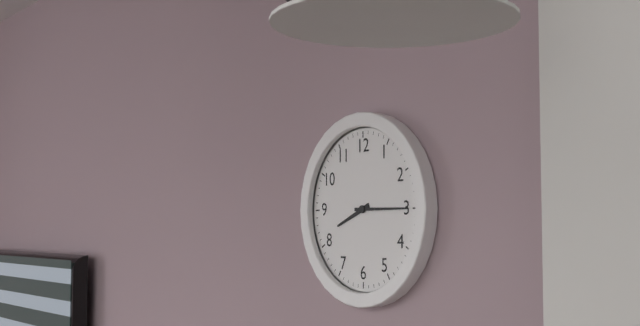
8:15
